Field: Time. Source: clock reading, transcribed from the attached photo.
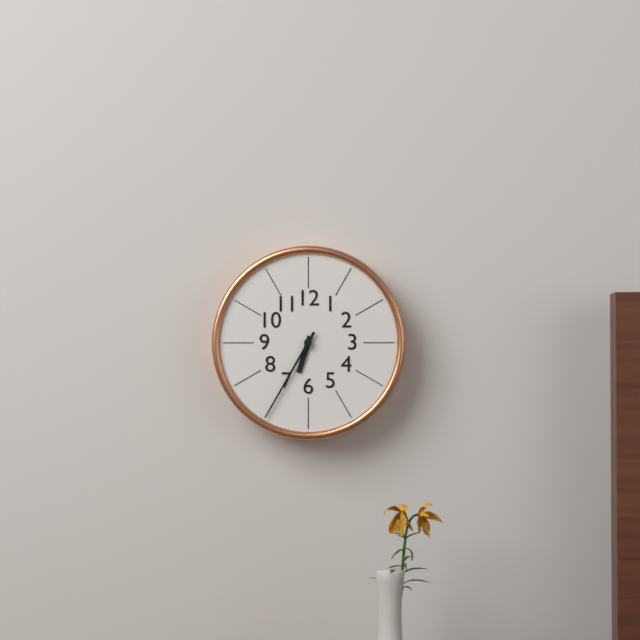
6:35
